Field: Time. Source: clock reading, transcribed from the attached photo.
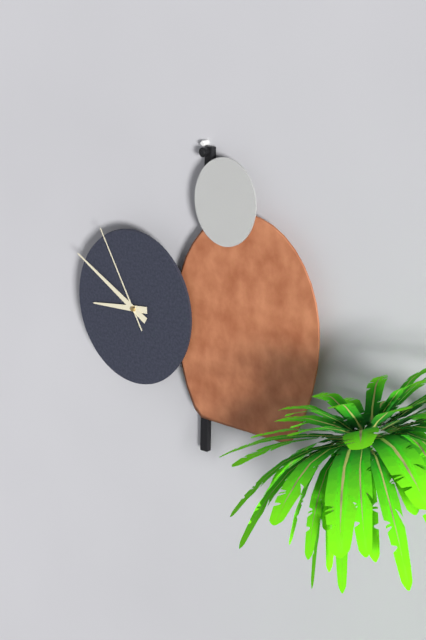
8:50:55
